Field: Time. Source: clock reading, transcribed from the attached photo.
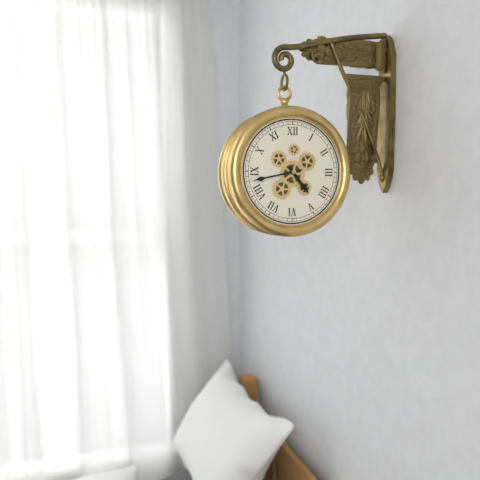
4:43
